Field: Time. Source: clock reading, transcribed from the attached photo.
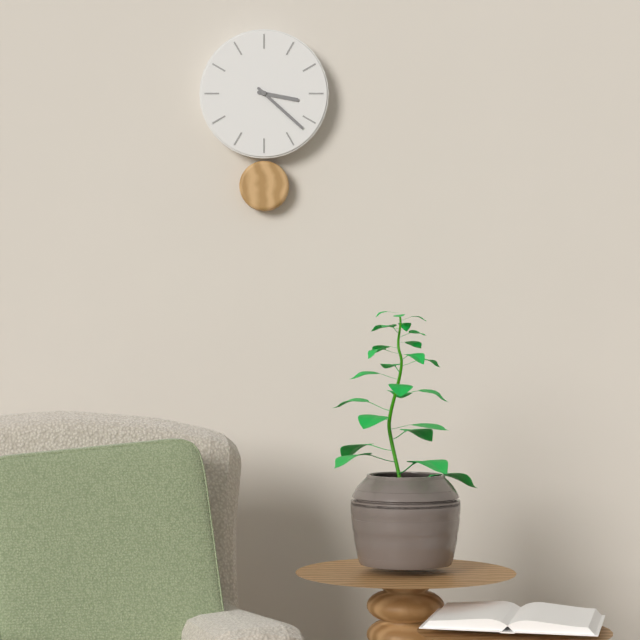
3:22
